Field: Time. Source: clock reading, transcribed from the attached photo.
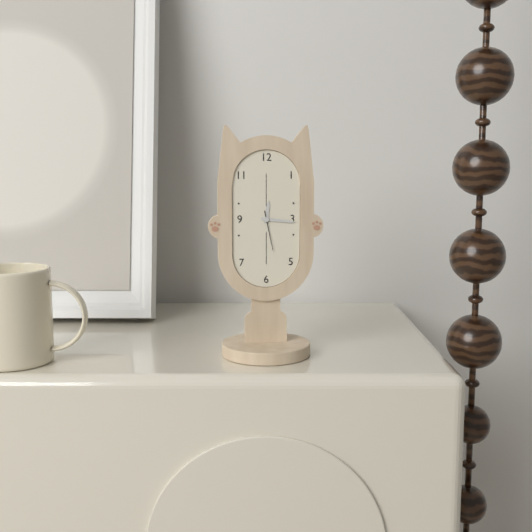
12:16
